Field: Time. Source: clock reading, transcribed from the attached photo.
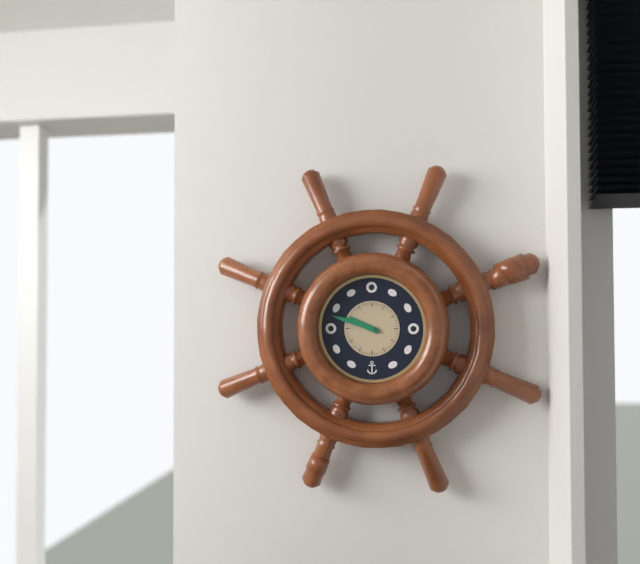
9:48
